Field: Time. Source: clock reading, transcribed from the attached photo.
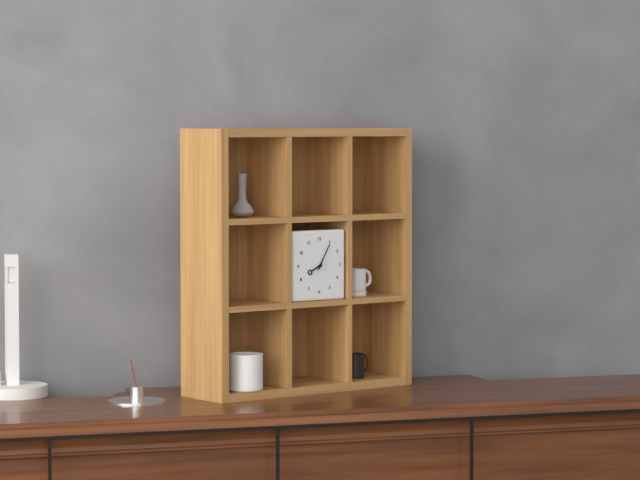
8:05
